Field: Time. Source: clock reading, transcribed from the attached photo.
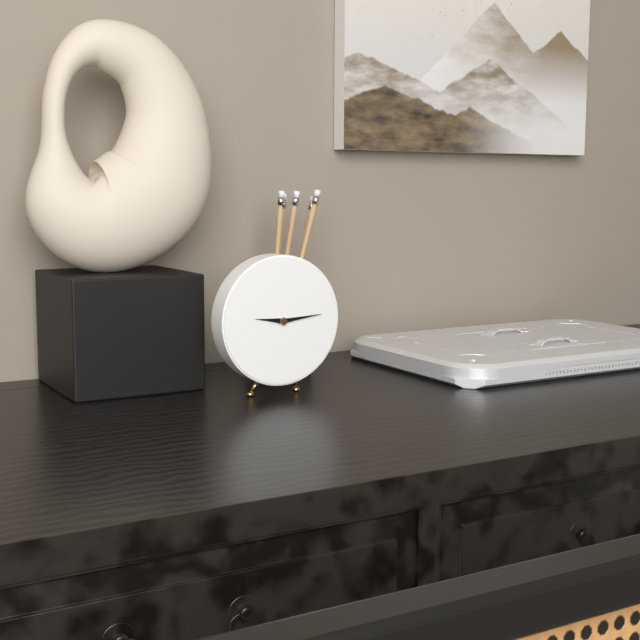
9:14
